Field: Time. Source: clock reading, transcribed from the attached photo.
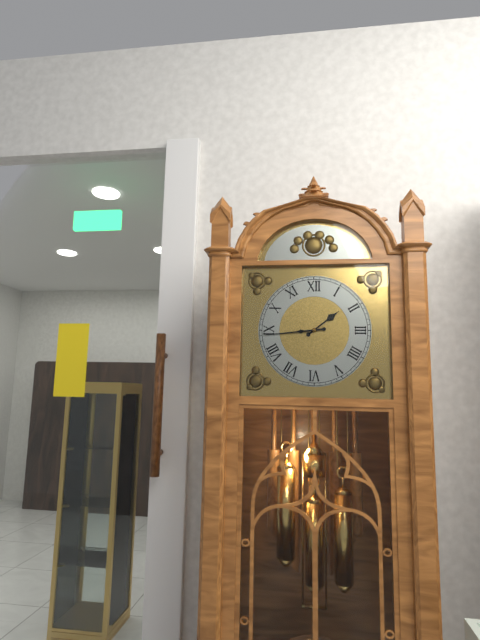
1:44
